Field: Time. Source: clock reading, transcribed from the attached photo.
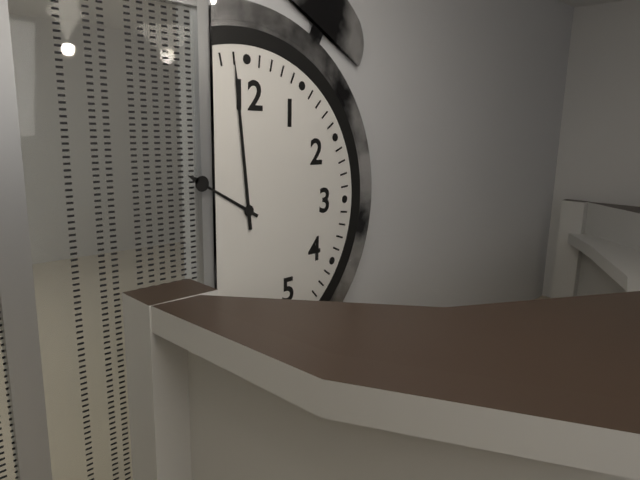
9:59
